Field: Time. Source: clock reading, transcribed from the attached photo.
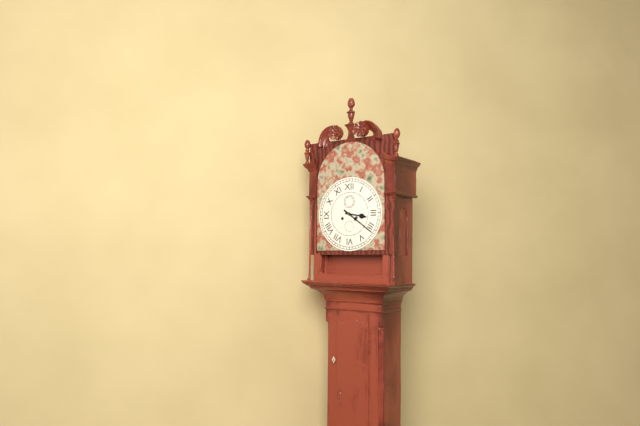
3:21
